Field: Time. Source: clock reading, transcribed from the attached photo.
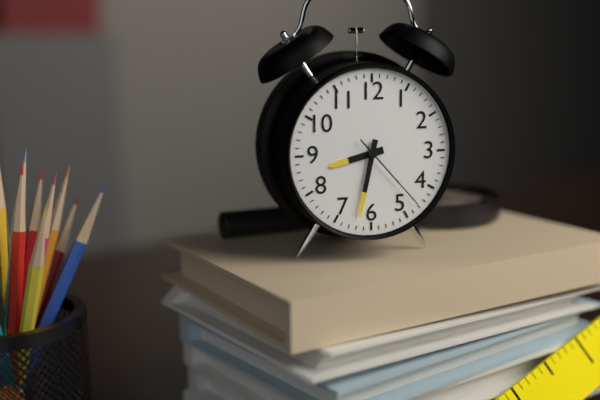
8:32:23
